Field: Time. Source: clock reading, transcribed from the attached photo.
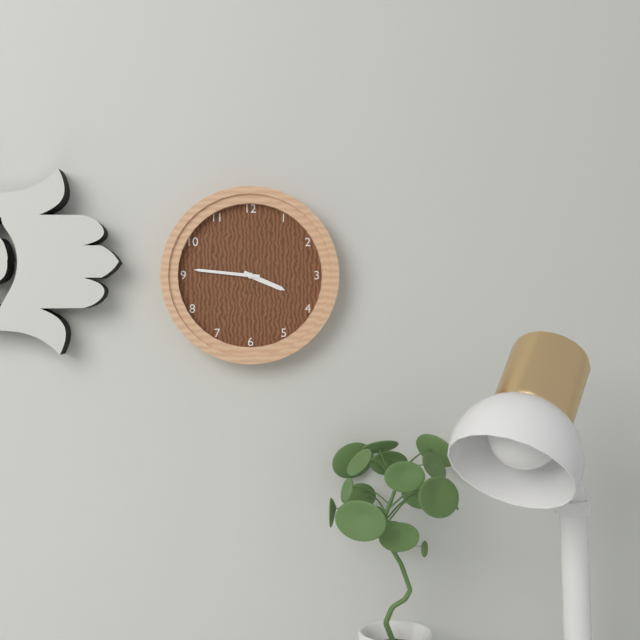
3:46
